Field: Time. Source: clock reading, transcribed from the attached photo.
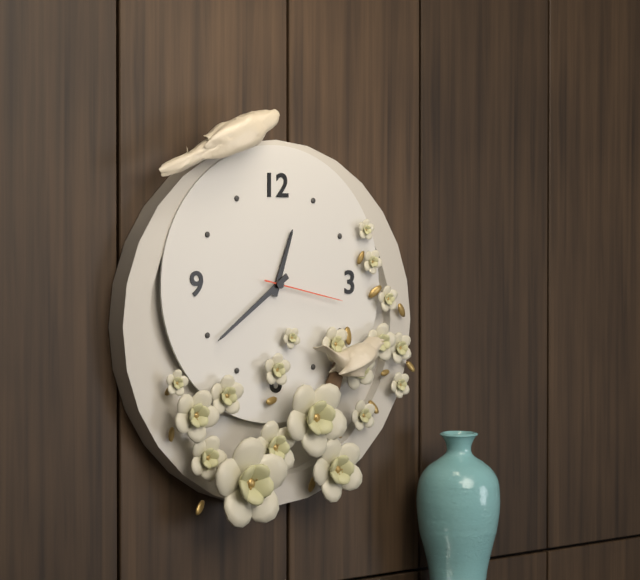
12:39:17
